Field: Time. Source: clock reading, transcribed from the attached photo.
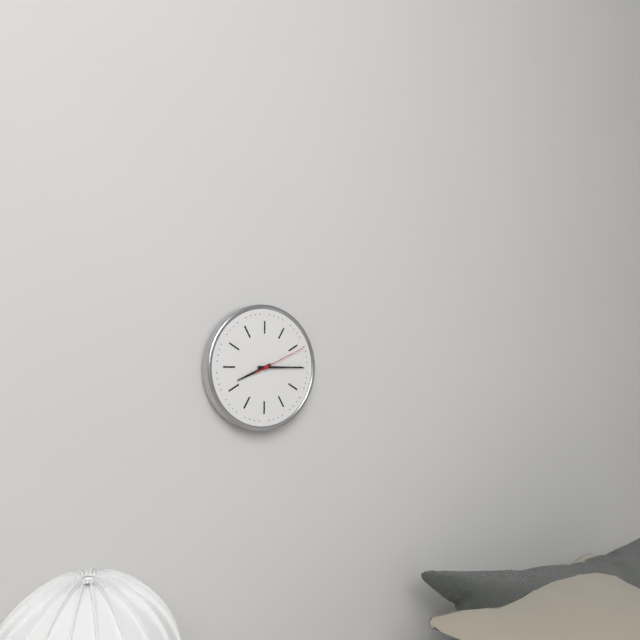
8:15:11
